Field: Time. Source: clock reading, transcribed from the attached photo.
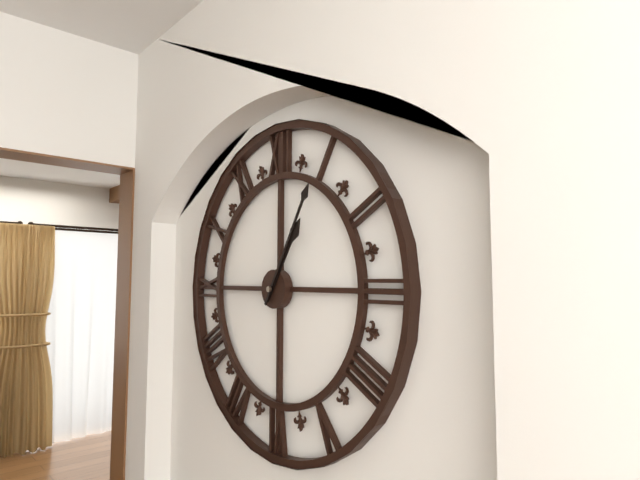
1:05
